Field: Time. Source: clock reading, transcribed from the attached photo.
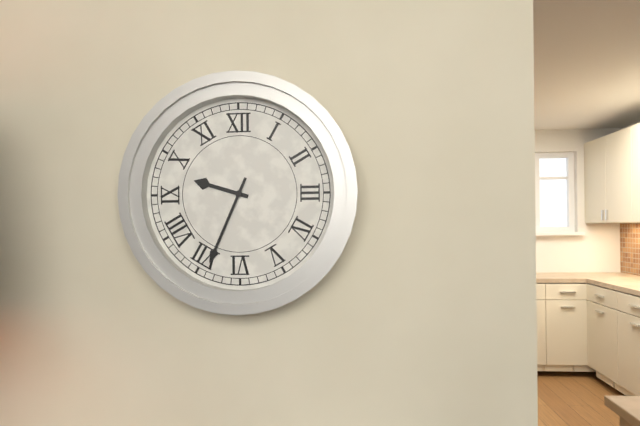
9:34
